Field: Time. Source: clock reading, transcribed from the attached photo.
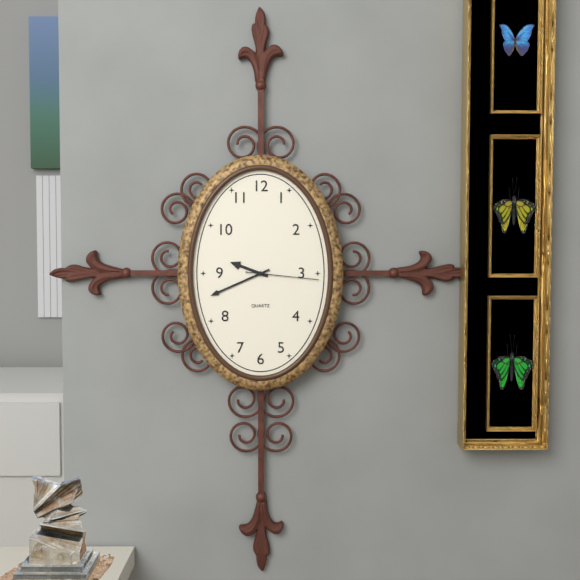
9:41:16
